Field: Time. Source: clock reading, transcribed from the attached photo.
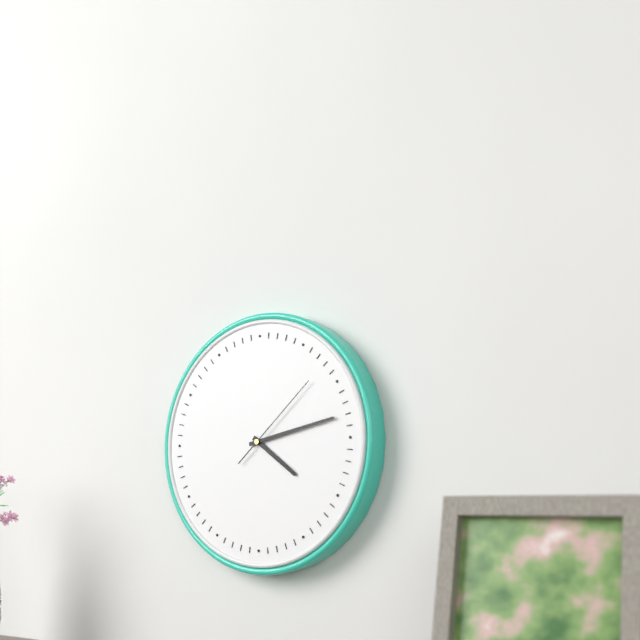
4:13:08
